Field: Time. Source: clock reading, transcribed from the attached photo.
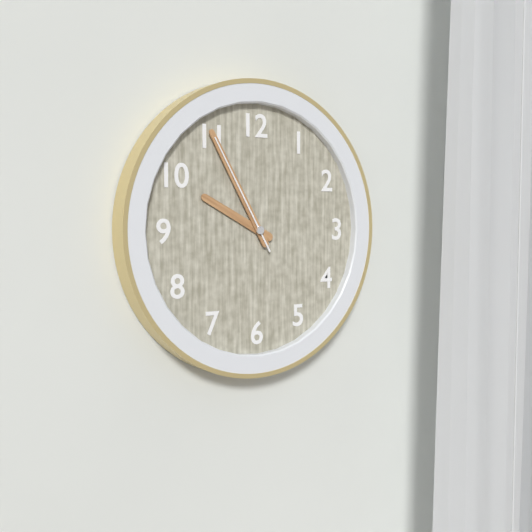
9:55:55
